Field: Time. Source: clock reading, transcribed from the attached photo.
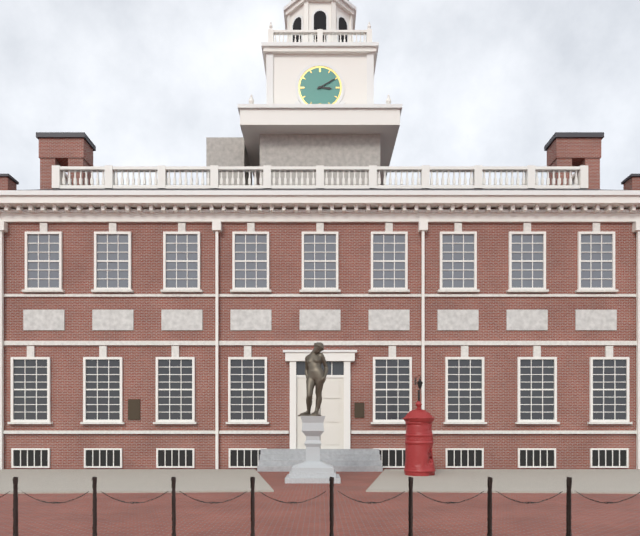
3:10
